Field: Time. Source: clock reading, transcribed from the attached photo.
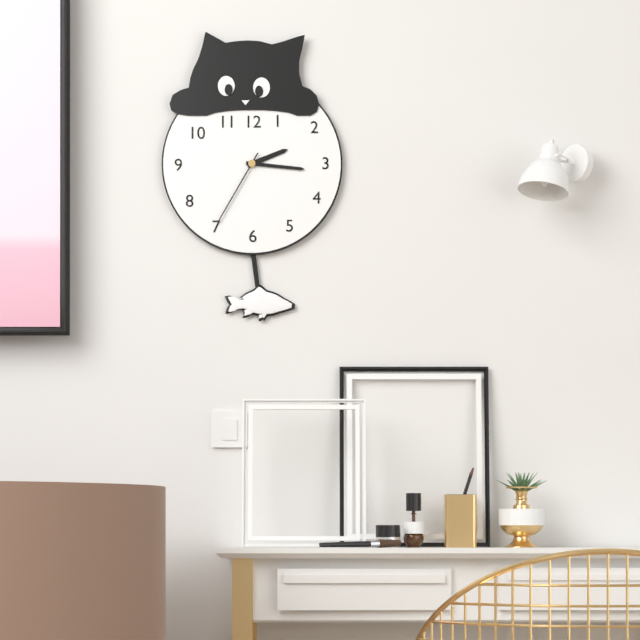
2:16:35
